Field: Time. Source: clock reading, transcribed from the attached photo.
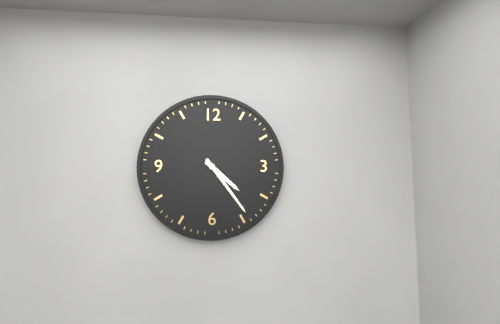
4:24
